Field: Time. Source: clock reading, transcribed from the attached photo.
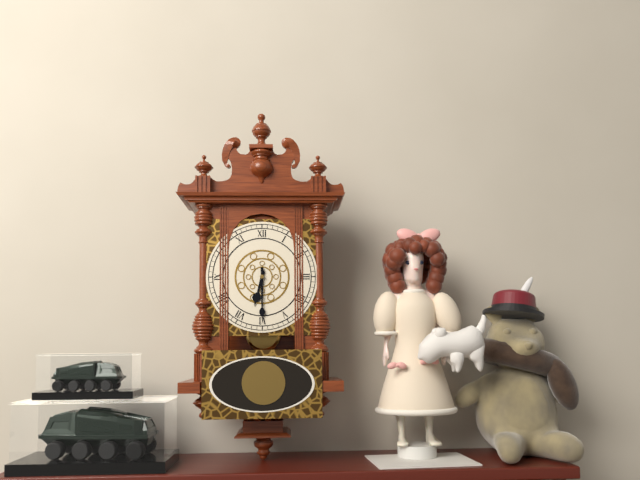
6:30
